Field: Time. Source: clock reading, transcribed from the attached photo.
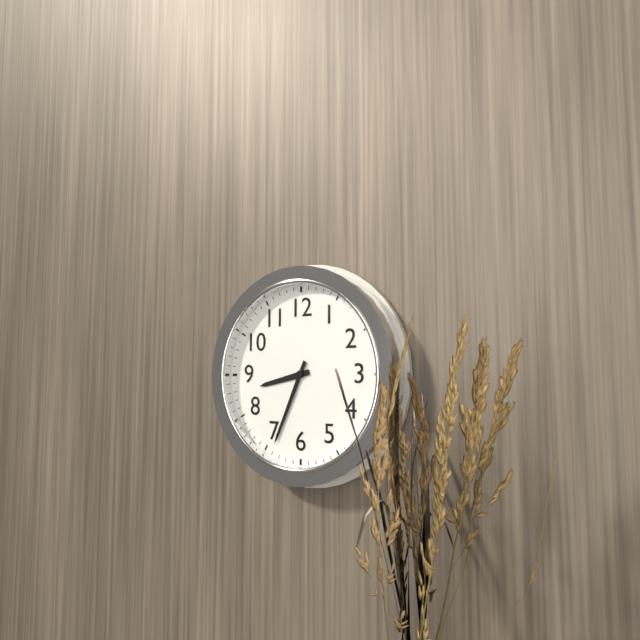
8:34
